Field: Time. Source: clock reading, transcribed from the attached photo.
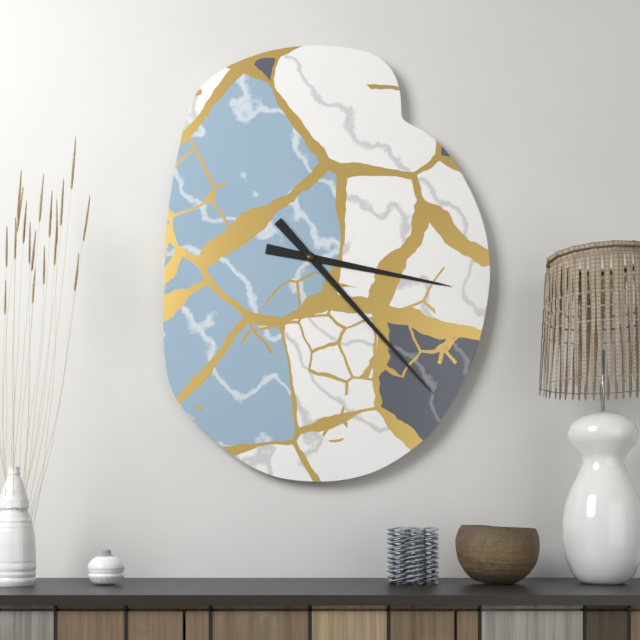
3:23
